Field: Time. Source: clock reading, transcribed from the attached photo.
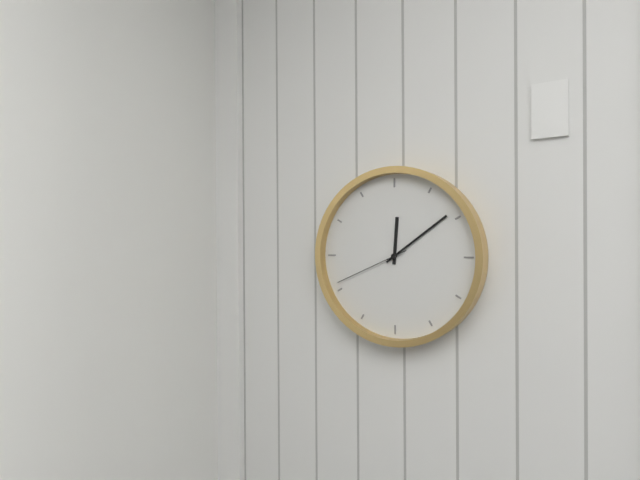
12:09:41
